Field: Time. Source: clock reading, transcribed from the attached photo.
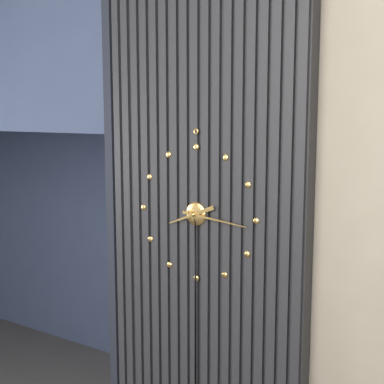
8:16
